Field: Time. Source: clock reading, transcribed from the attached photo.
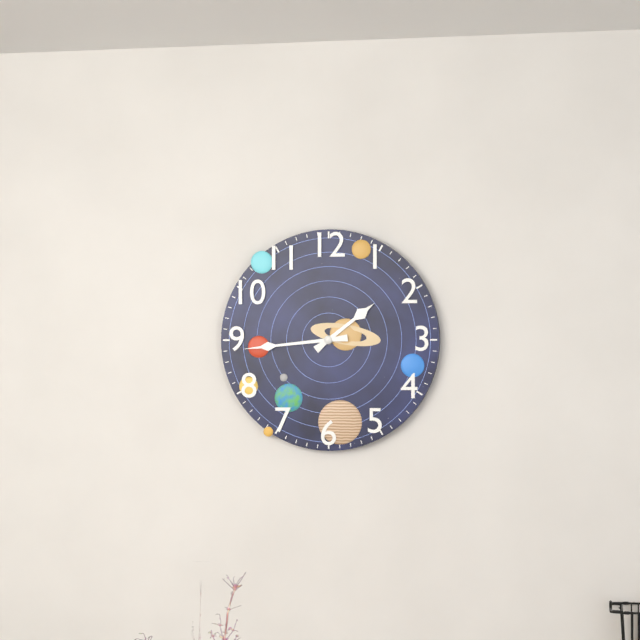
1:44
